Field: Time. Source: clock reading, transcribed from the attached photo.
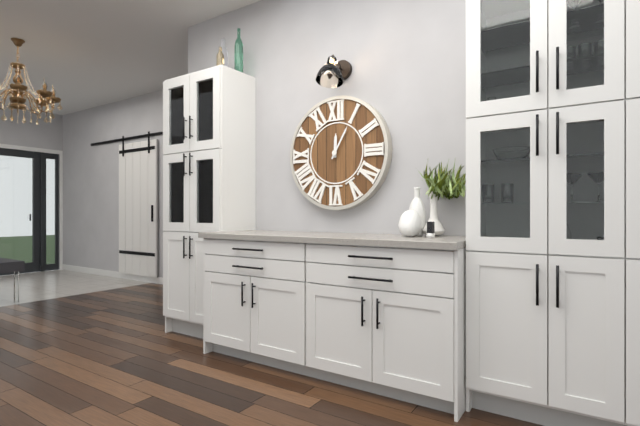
12:05
